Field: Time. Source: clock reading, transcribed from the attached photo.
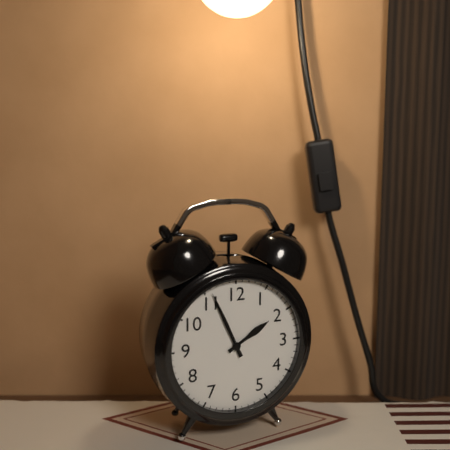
1:56
